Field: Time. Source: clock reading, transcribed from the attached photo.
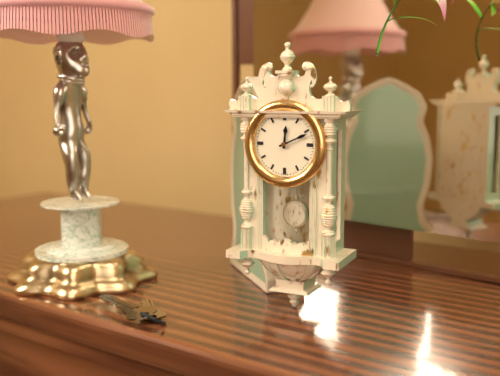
12:11
